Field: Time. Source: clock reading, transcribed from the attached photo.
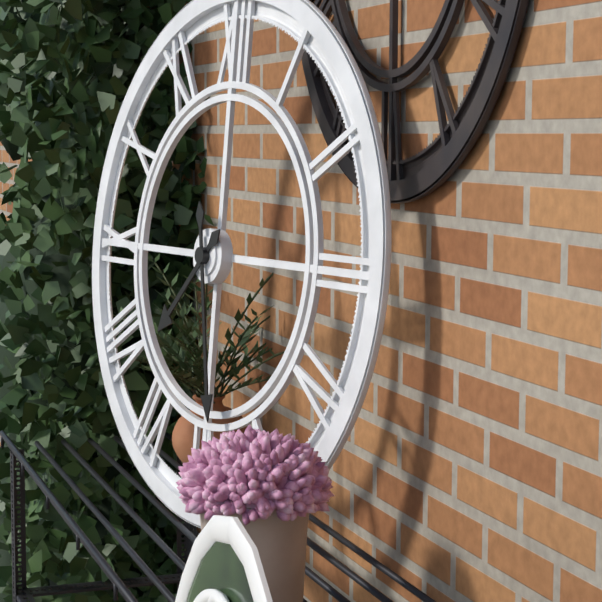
7:28
